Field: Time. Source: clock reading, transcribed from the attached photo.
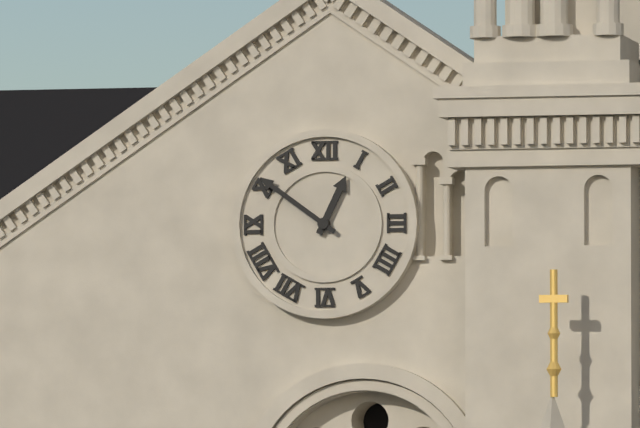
12:51
